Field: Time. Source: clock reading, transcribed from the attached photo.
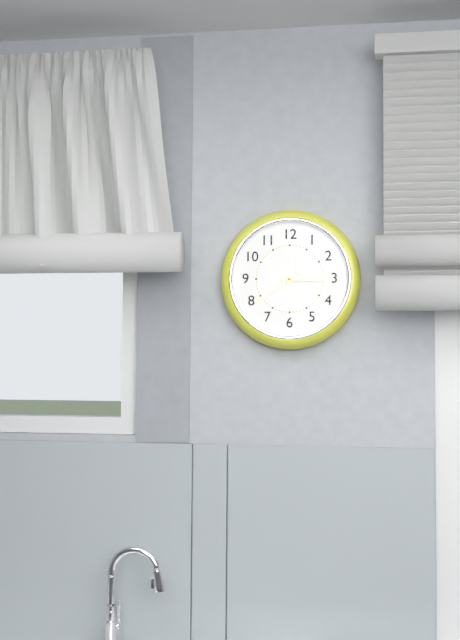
12:15:39
